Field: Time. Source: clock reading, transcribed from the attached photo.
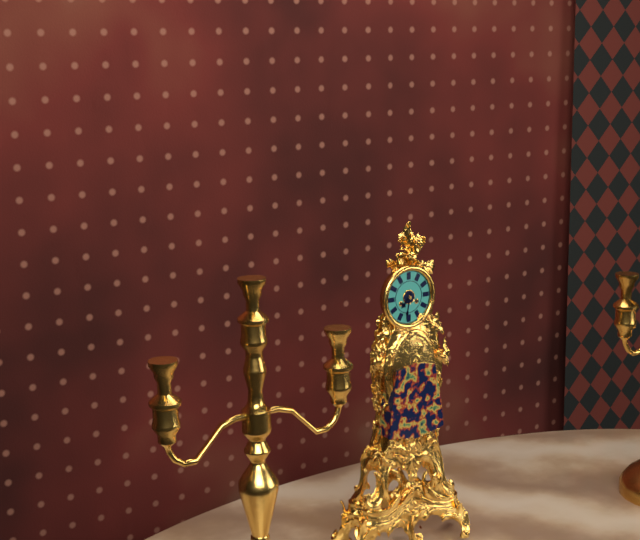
7:32
